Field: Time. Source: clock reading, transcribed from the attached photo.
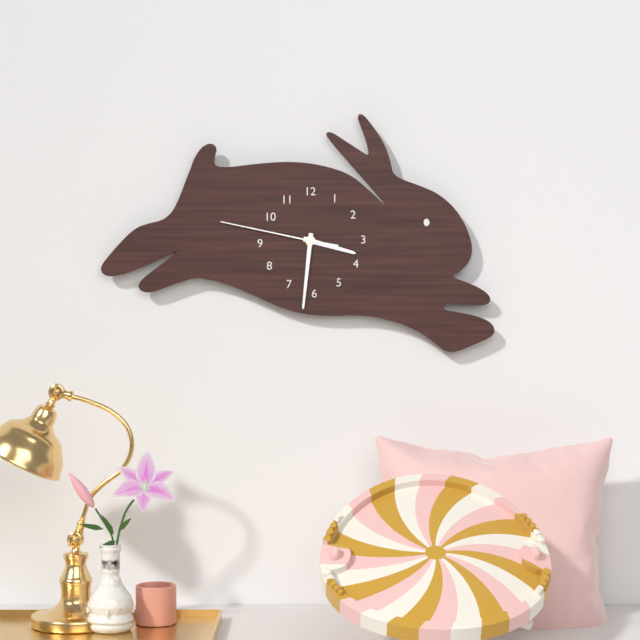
3:31:47
